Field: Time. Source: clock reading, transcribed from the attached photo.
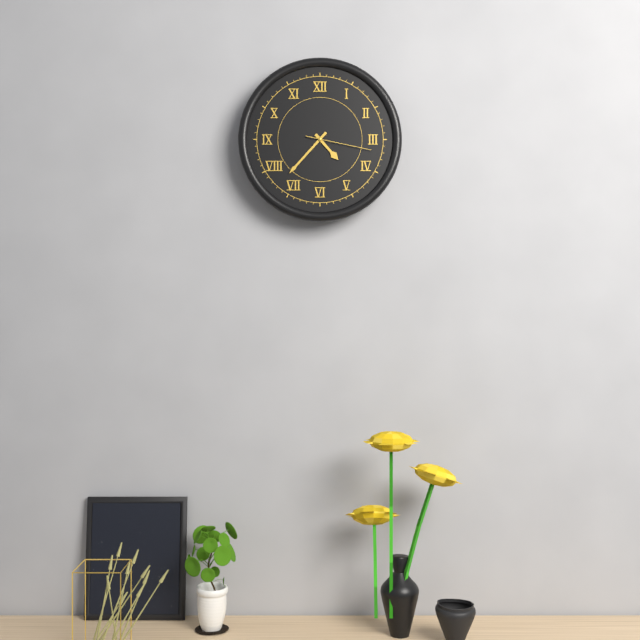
4:37:17
